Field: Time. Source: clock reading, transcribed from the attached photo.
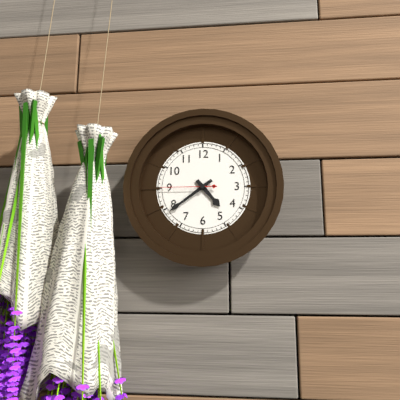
4:39:45
